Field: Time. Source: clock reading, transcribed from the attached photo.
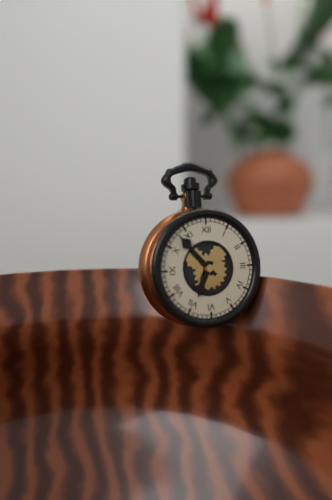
6:53
